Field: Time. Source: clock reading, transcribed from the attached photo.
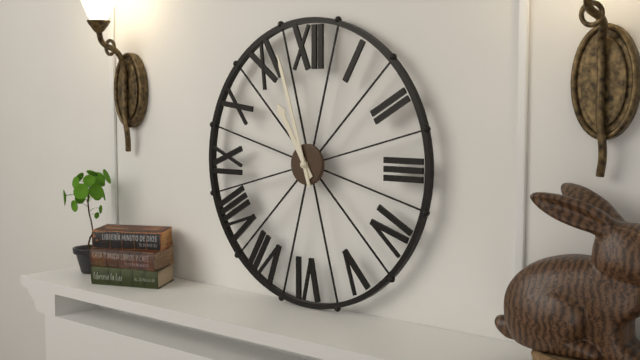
10:57
